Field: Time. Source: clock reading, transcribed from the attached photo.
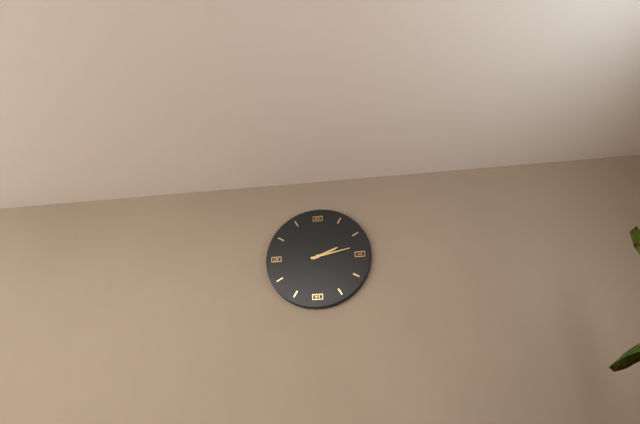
2:13
